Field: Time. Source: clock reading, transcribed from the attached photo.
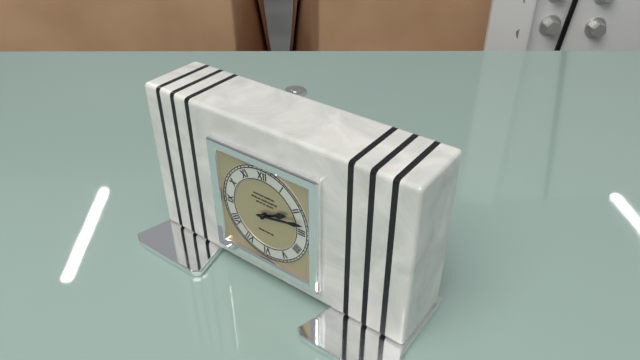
2:13
